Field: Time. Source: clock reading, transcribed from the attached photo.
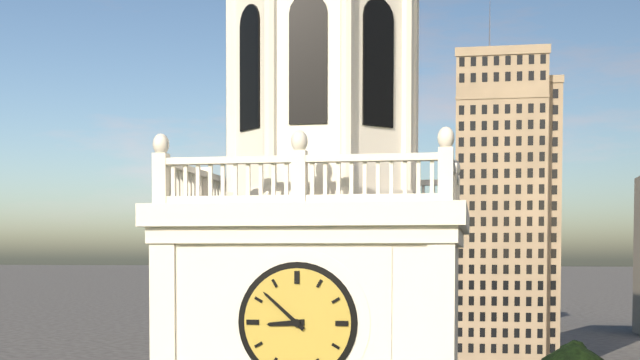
8:52
